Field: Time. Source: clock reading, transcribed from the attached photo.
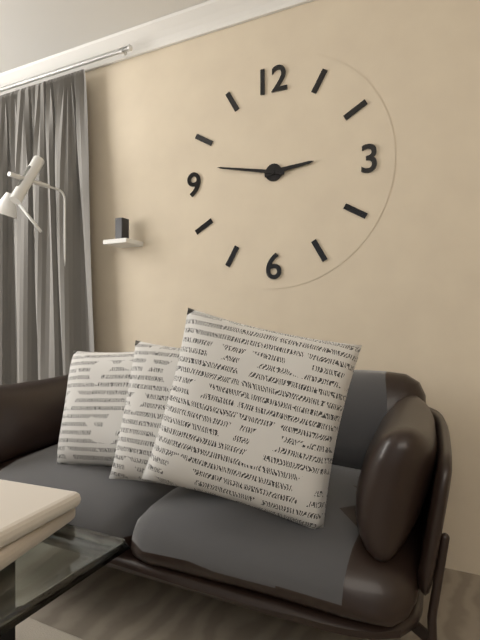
2:47
